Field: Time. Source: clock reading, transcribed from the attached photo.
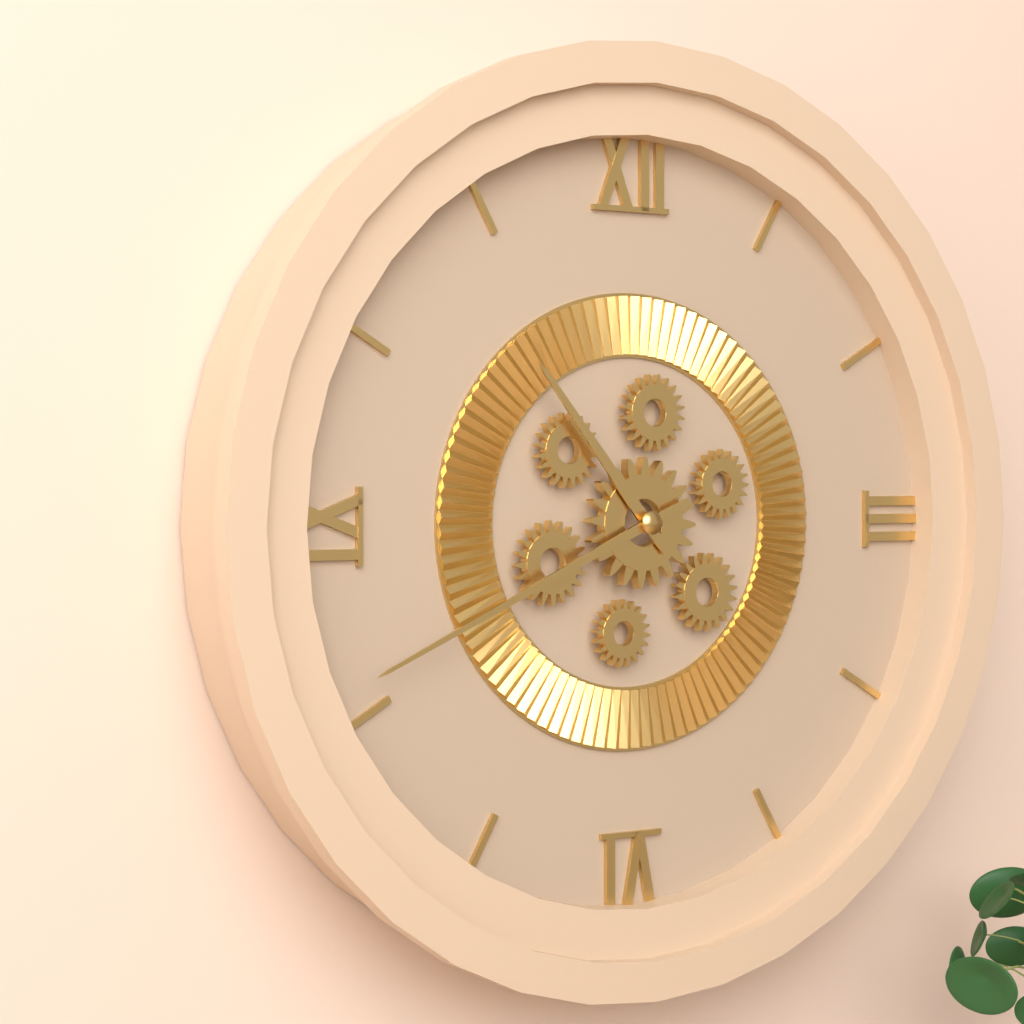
10:41
